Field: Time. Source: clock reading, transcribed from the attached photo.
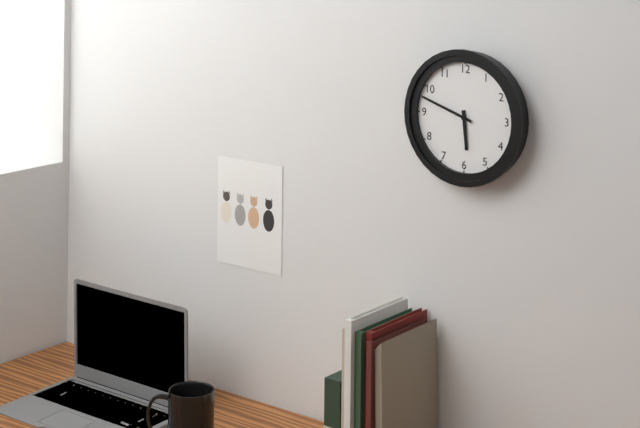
5:48
